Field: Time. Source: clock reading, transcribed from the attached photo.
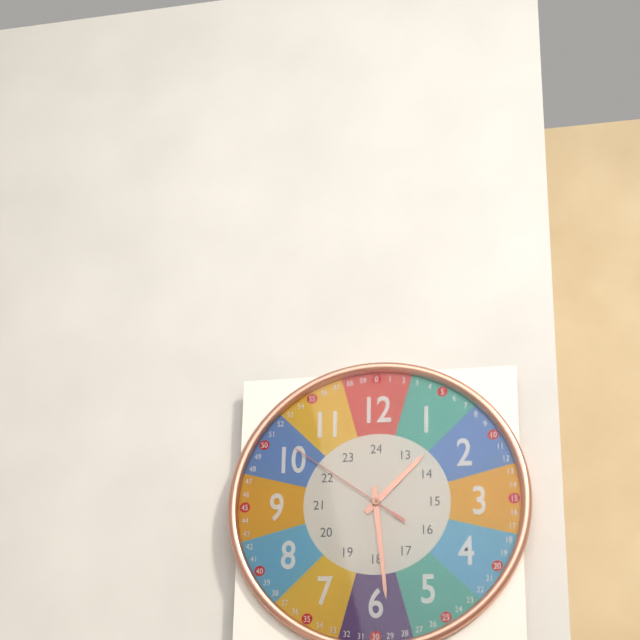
1:29:51
